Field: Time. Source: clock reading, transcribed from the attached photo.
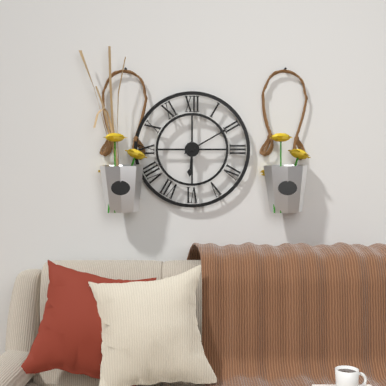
6:10
